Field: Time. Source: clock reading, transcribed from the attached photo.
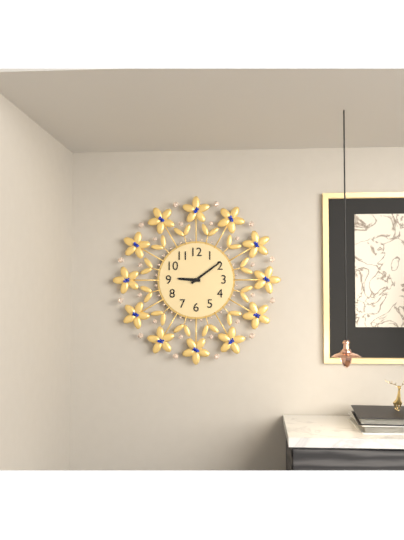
9:09
